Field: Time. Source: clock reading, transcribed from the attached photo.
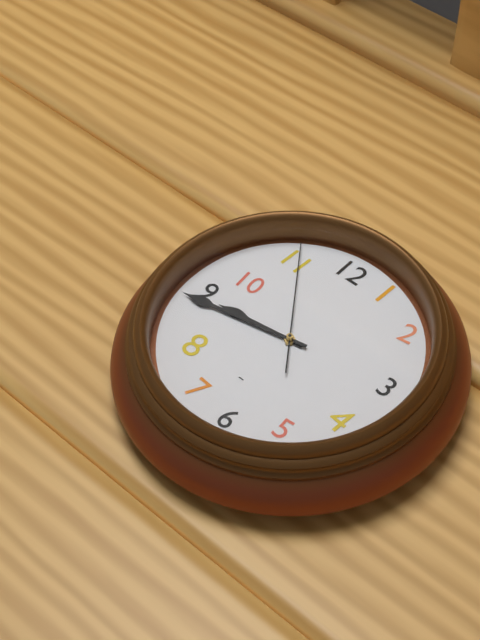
8:43:54
